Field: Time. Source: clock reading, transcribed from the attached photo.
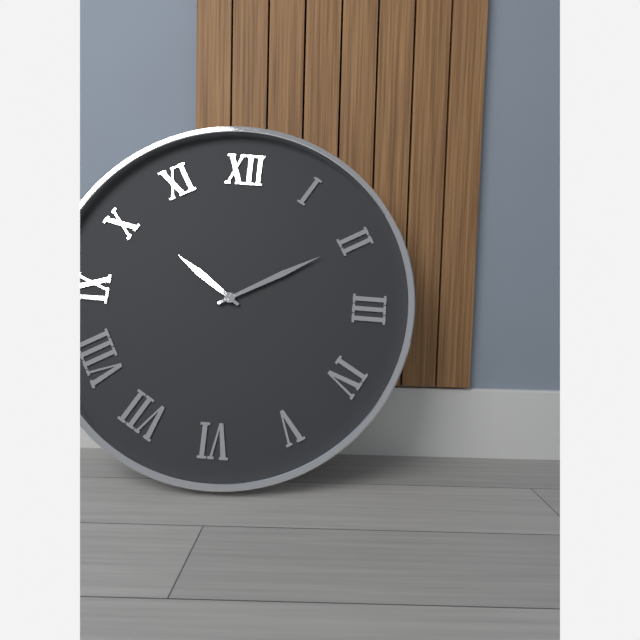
10:10
